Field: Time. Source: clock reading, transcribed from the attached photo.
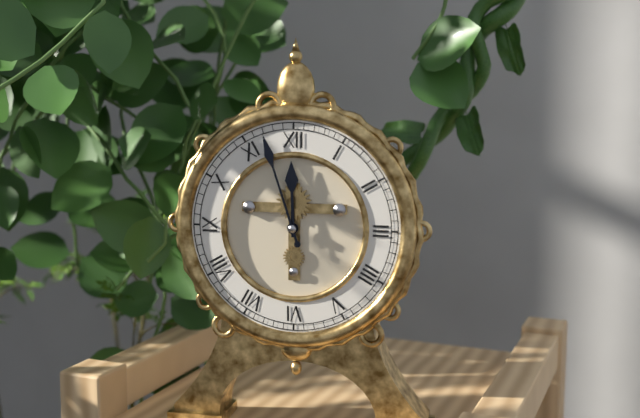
11:57
